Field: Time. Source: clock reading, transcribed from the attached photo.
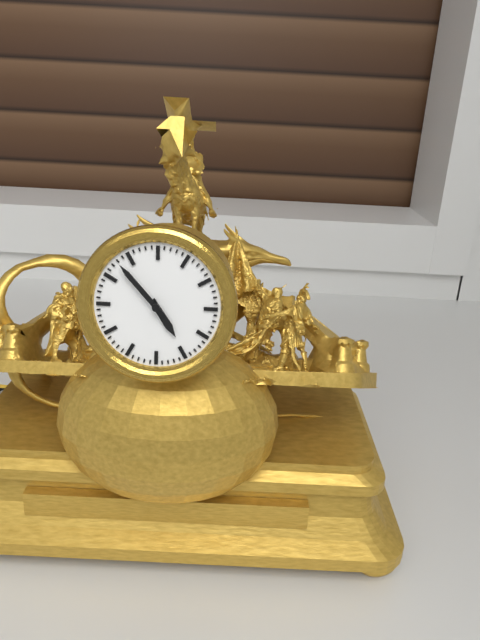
4:53
